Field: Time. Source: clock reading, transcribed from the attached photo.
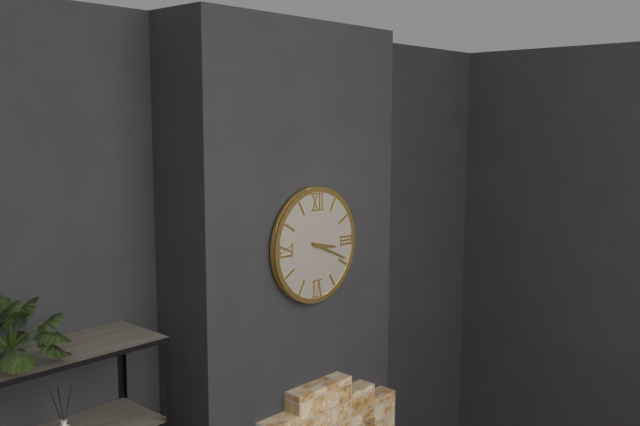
3:19
